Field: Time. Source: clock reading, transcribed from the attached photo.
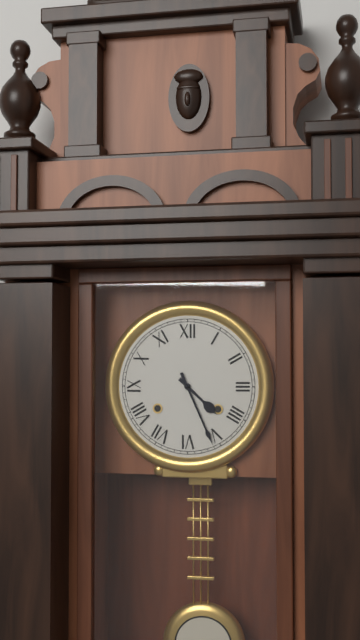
4:26
